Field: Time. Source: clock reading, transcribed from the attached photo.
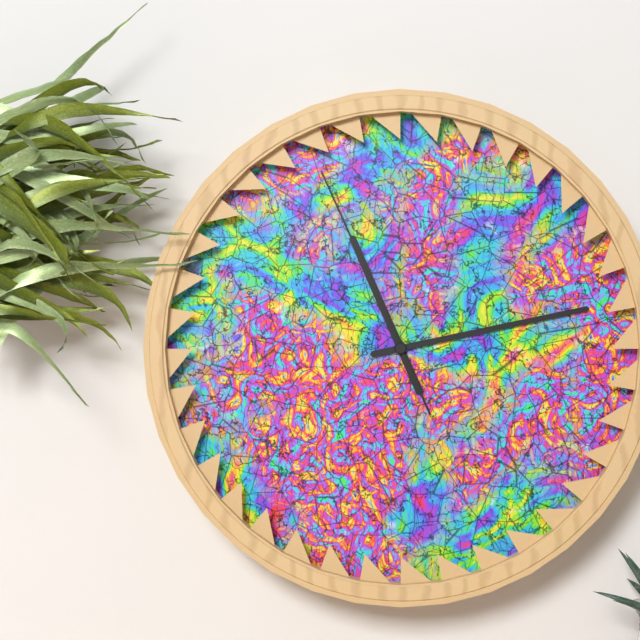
11:13:56
